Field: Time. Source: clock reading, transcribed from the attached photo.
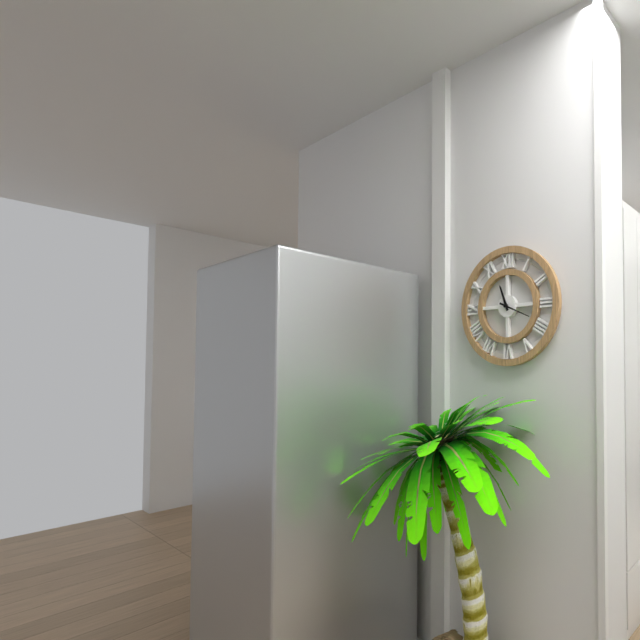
11:19
